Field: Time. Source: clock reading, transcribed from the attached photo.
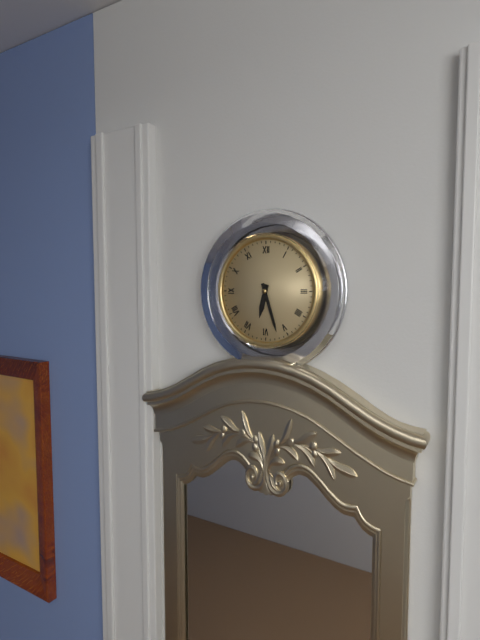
6:27
